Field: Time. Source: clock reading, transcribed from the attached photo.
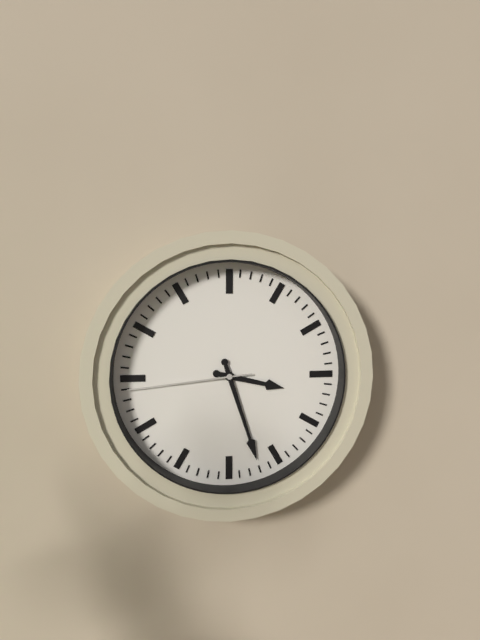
3:27:44
